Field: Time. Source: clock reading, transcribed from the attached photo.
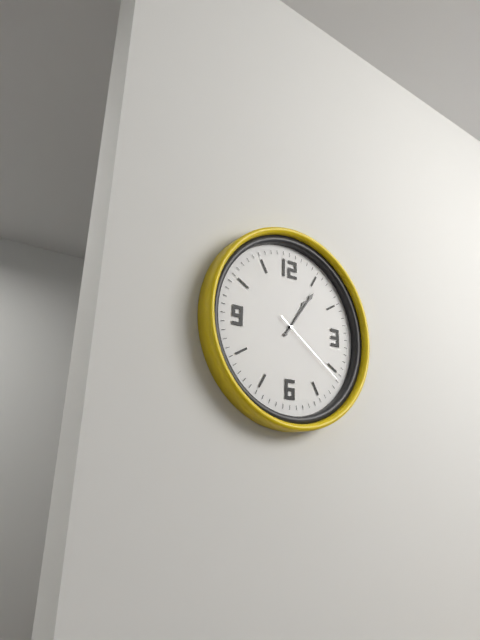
1:06:21
